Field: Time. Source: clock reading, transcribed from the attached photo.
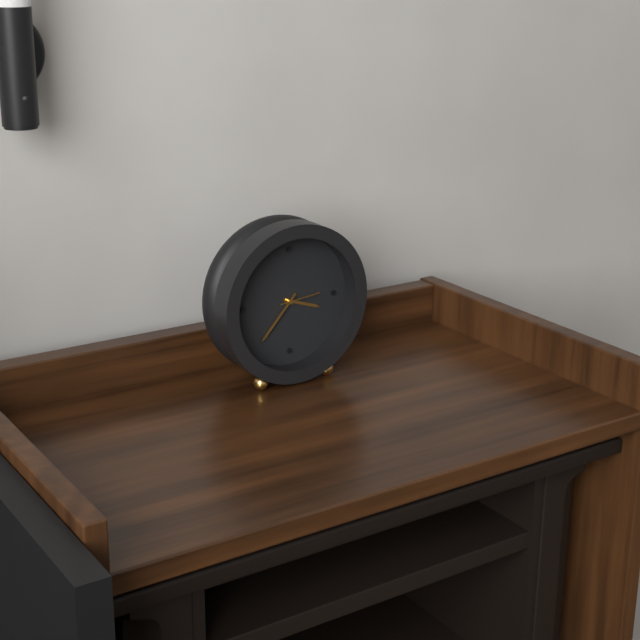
3:37
